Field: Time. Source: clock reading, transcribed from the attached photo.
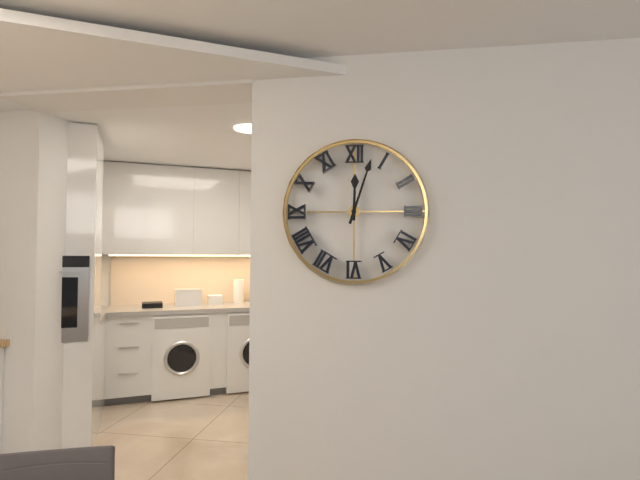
12:03
